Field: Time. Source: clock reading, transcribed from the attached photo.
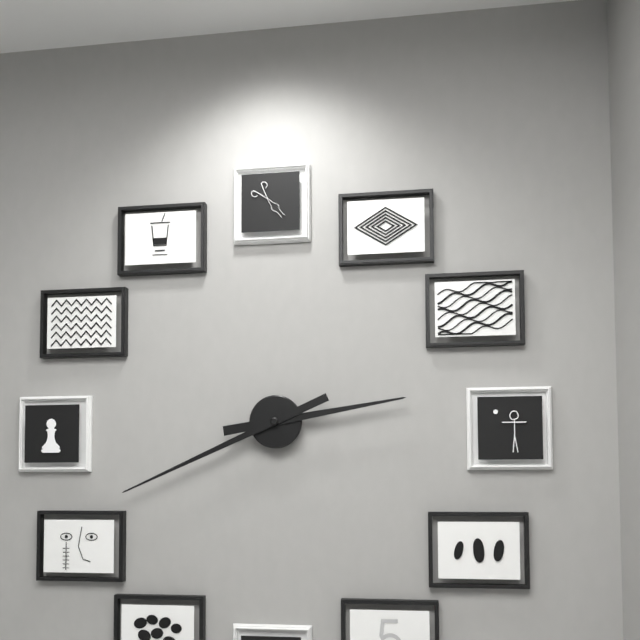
2:41
